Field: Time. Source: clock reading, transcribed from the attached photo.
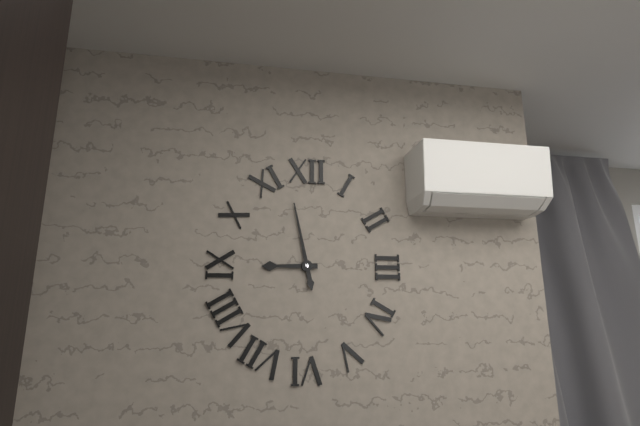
8:58
